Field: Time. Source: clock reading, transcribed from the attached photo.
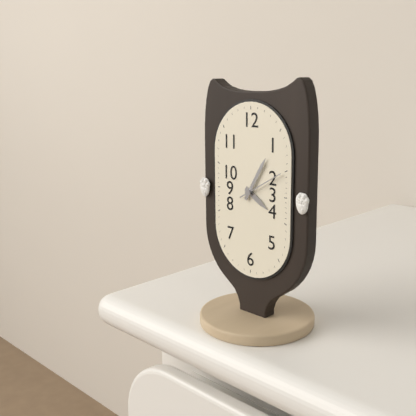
4:05
